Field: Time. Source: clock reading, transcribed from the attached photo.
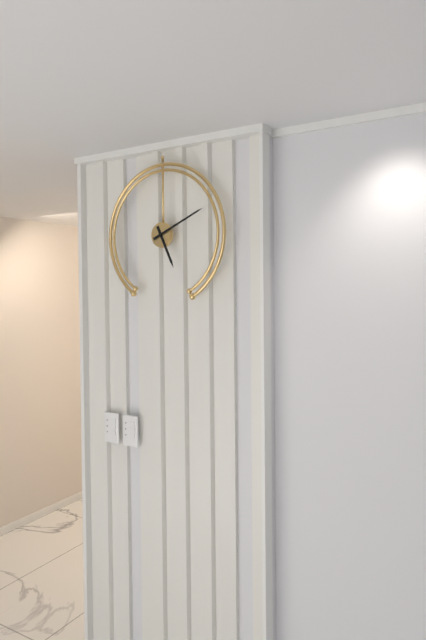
5:11
